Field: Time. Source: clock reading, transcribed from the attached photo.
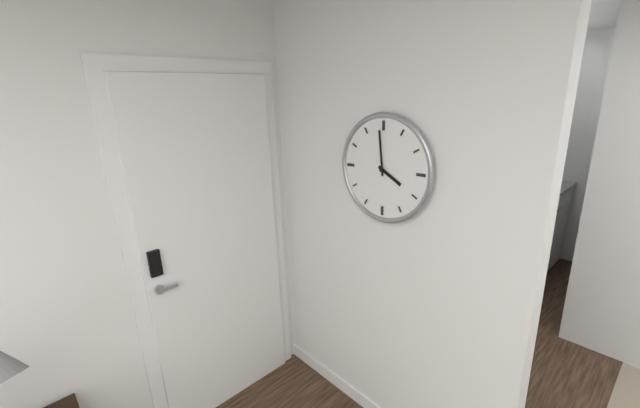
3:59
